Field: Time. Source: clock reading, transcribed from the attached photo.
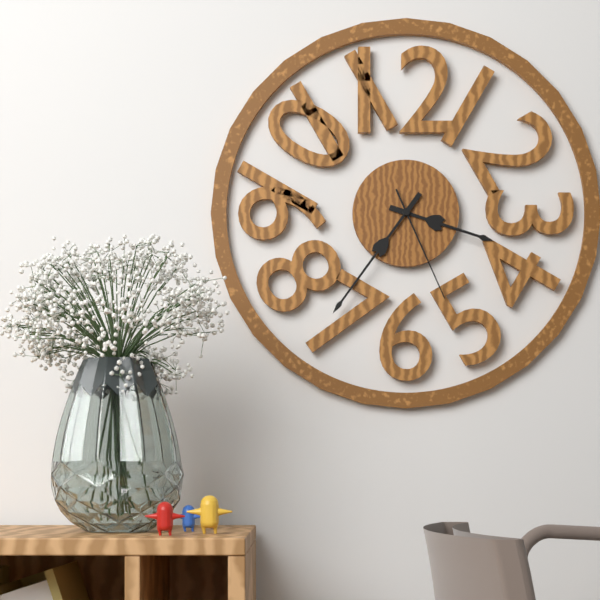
3:36:26
